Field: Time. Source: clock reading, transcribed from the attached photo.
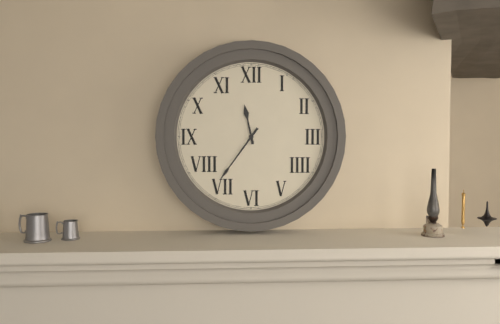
11:36
